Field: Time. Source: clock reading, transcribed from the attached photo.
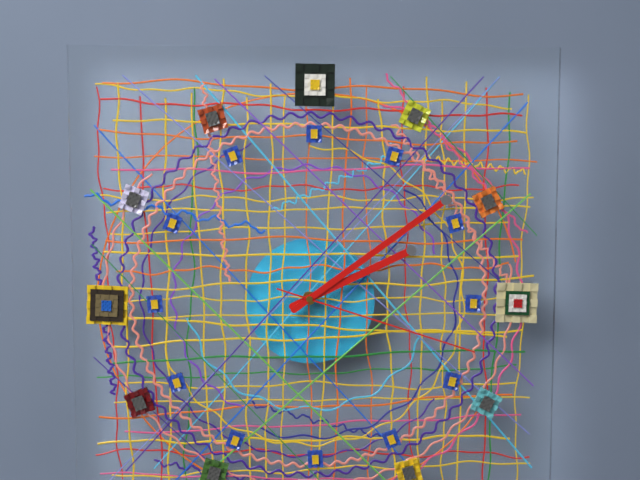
2:09:18
